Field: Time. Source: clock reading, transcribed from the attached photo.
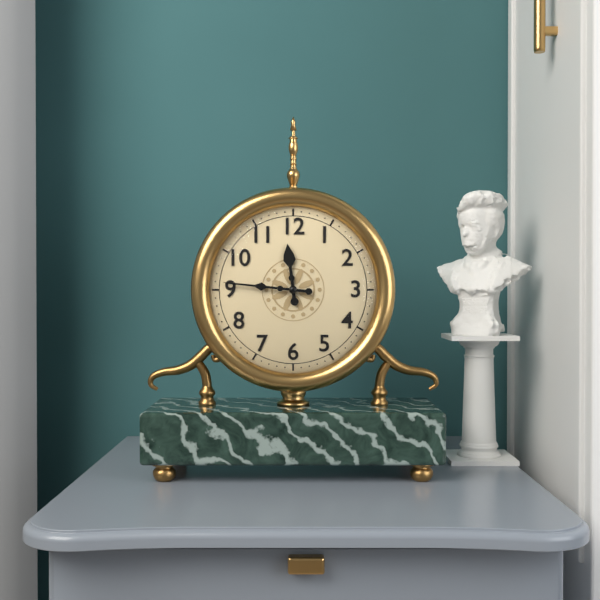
11:46
